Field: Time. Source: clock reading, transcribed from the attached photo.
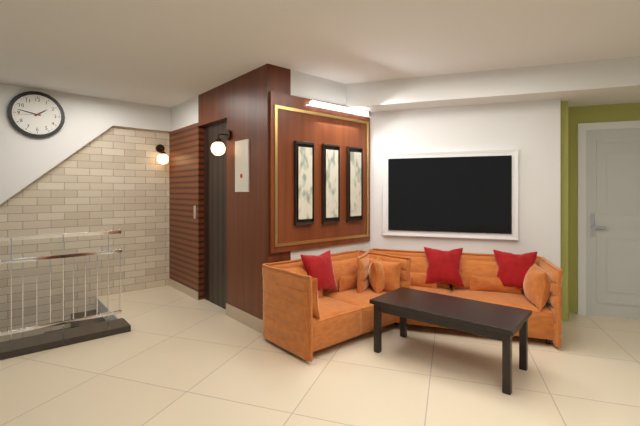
1:47
